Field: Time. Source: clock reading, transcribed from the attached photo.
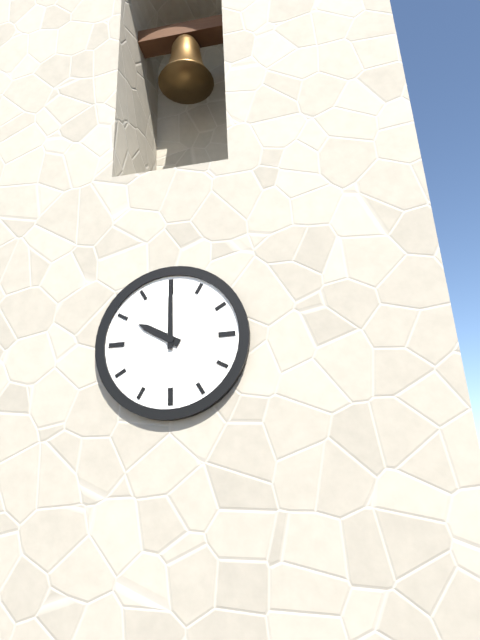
10:00
